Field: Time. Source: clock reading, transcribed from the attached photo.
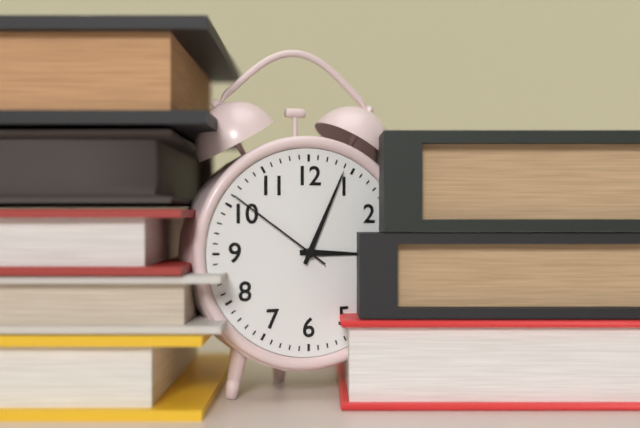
3:04:51
